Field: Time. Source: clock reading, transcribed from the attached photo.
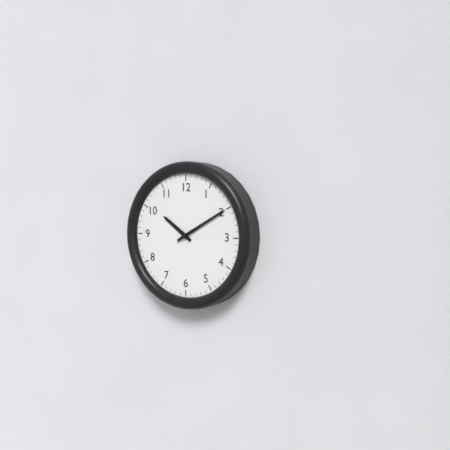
10:10
